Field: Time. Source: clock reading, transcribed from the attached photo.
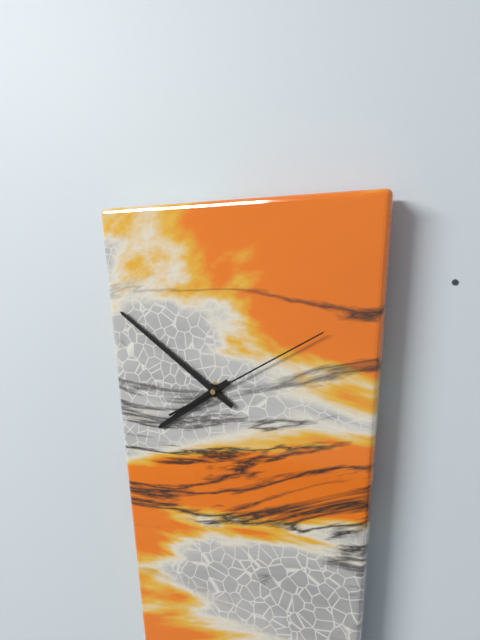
7:51:10
